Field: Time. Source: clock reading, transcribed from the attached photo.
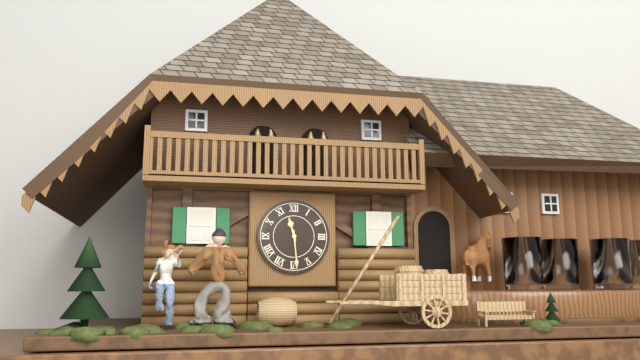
11:29
